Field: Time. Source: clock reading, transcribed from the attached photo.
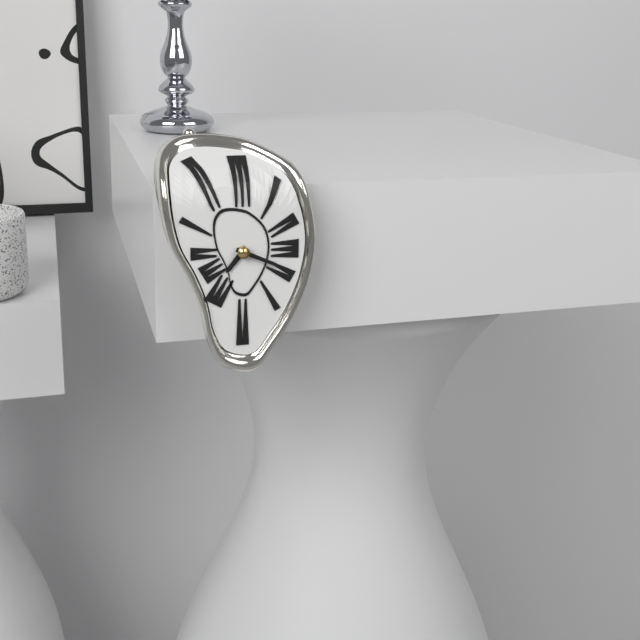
7:19
